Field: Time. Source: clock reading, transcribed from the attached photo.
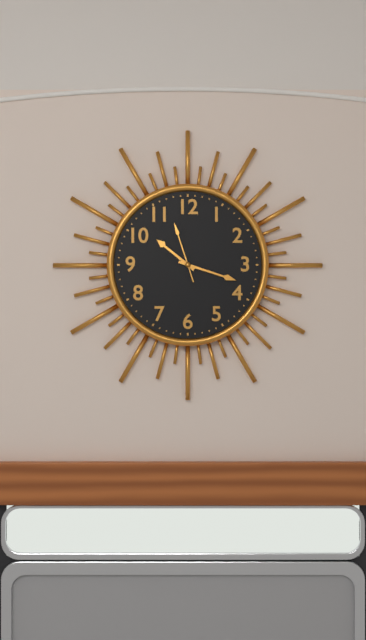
10:18:57
